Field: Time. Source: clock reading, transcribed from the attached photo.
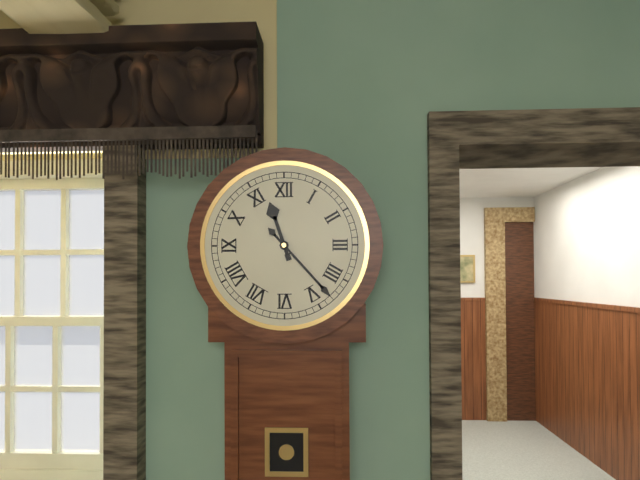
11:23
